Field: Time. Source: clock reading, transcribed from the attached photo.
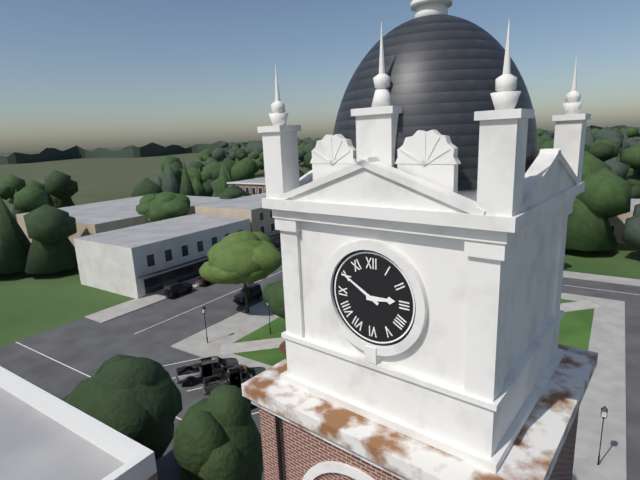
2:50
